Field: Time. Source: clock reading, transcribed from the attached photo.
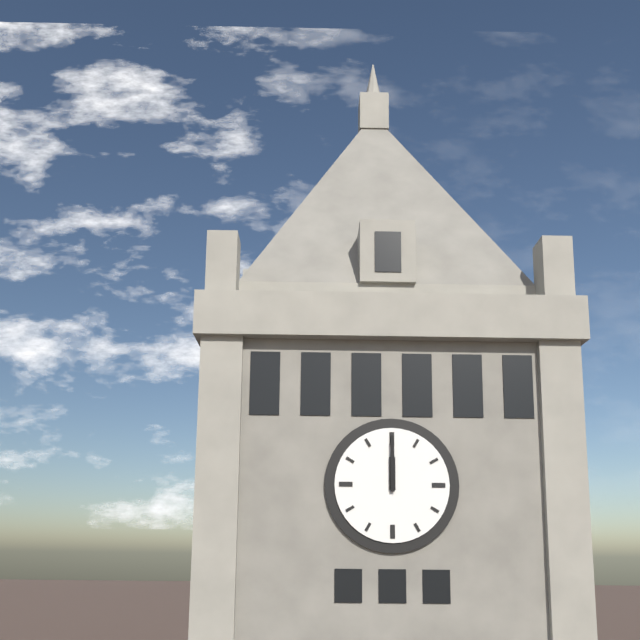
12:00
